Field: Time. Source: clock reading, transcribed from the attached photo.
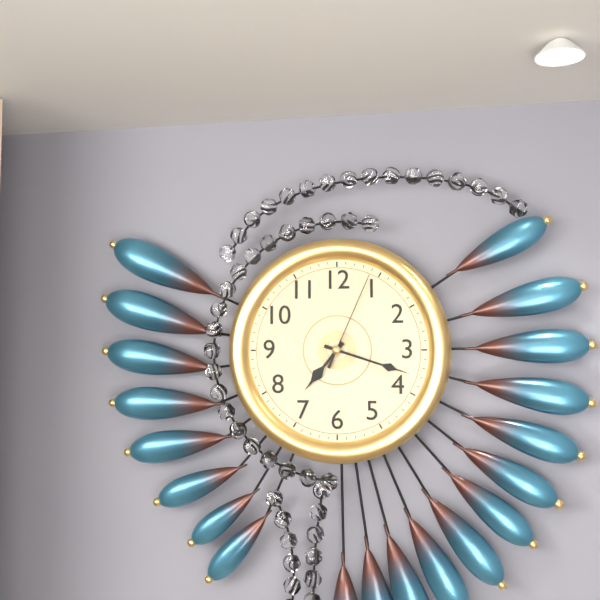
7:18:04
